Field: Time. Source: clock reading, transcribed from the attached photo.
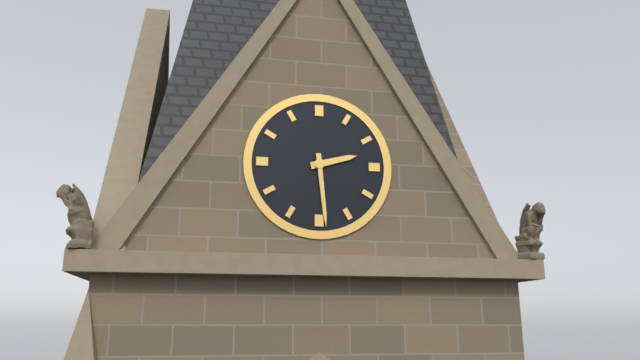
2:29
